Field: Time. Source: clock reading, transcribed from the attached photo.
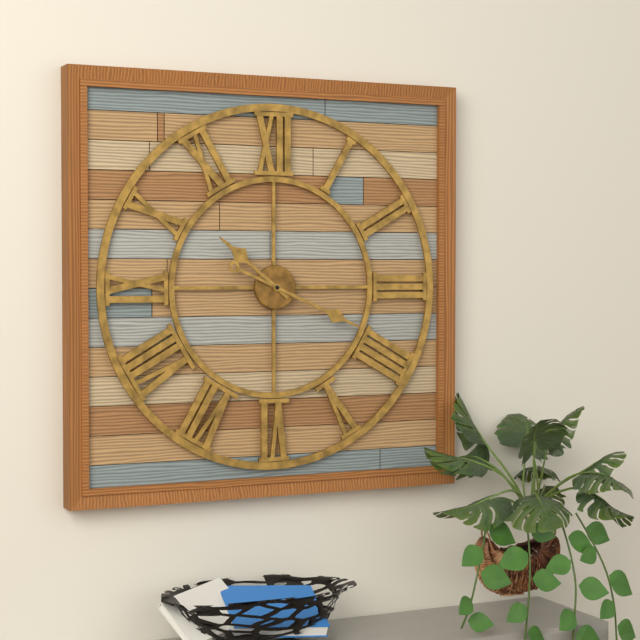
10:19
